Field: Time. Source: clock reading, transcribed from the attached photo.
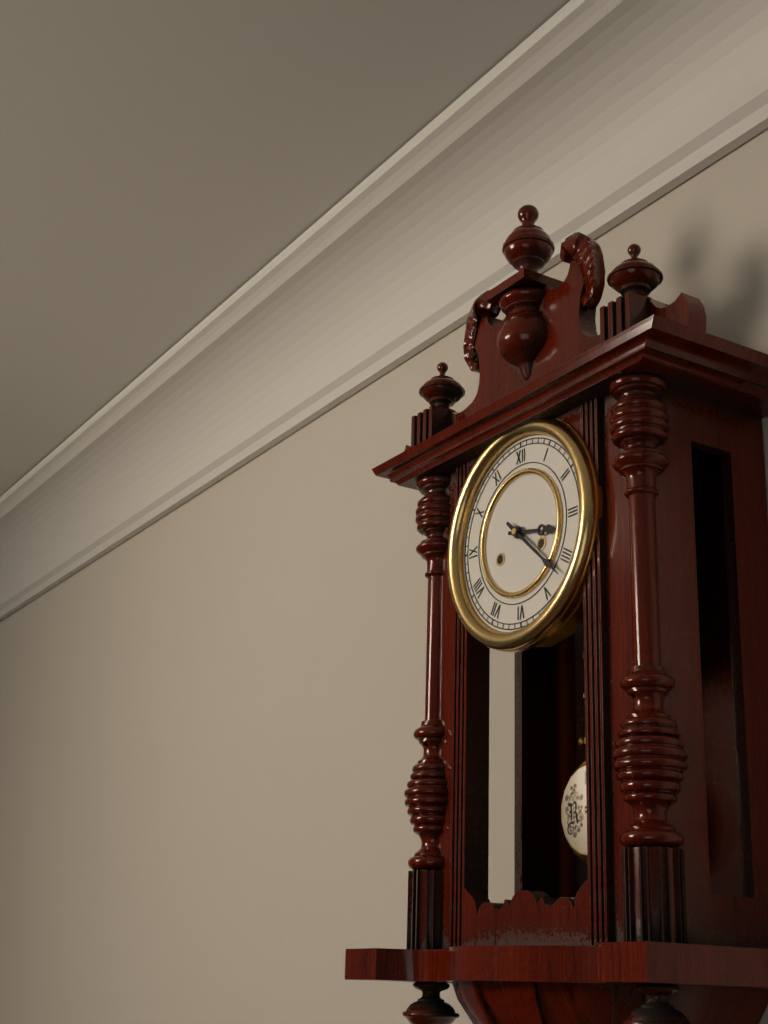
3:22
